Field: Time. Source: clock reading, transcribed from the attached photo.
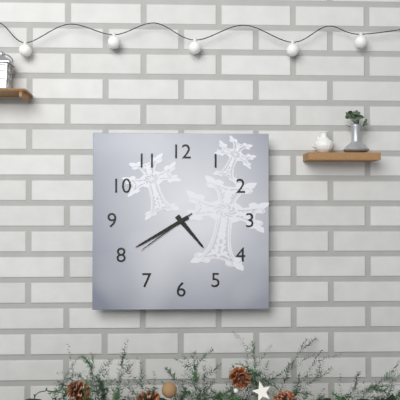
4:40:39
